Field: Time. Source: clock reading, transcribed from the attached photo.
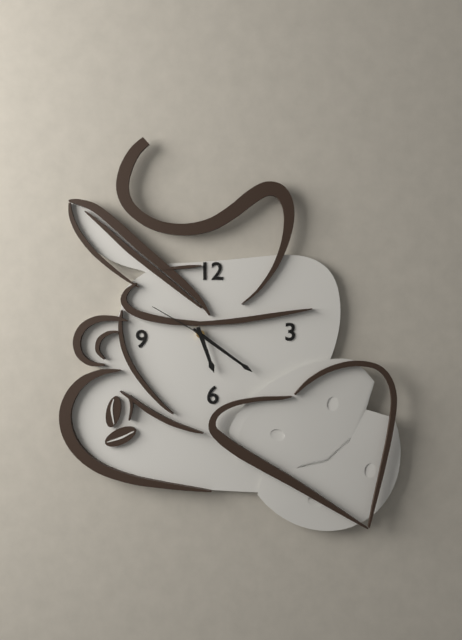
5:21:50
